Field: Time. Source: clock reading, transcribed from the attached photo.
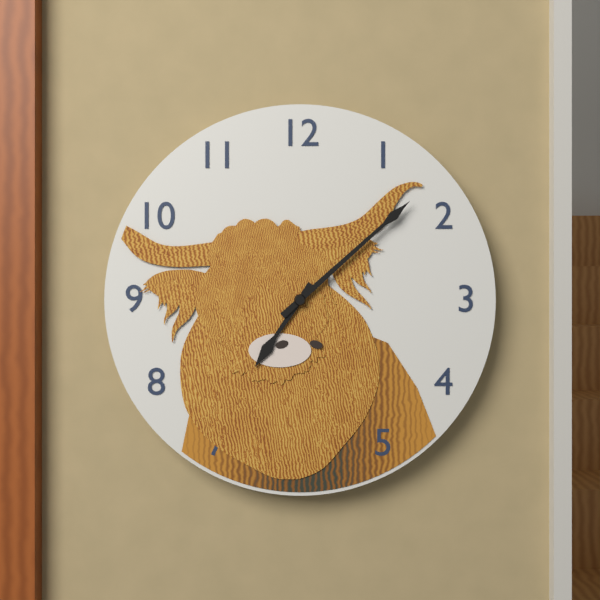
7:08
